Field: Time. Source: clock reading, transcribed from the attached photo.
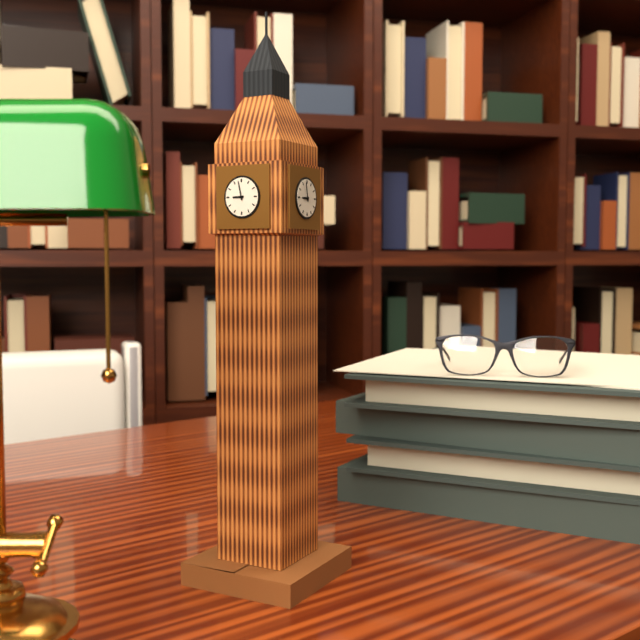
8:58
